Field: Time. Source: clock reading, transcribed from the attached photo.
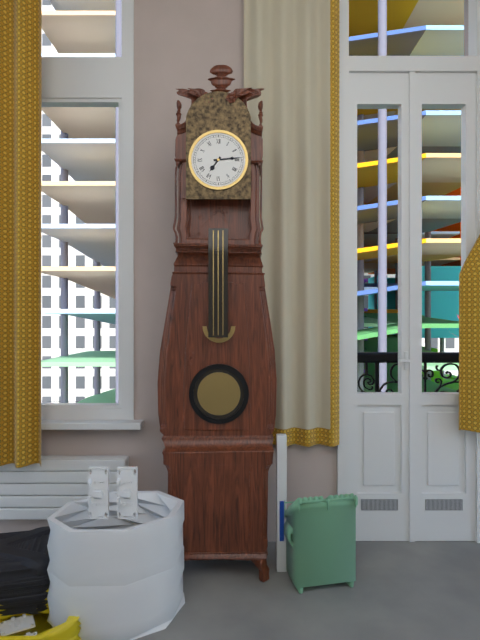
7:14
